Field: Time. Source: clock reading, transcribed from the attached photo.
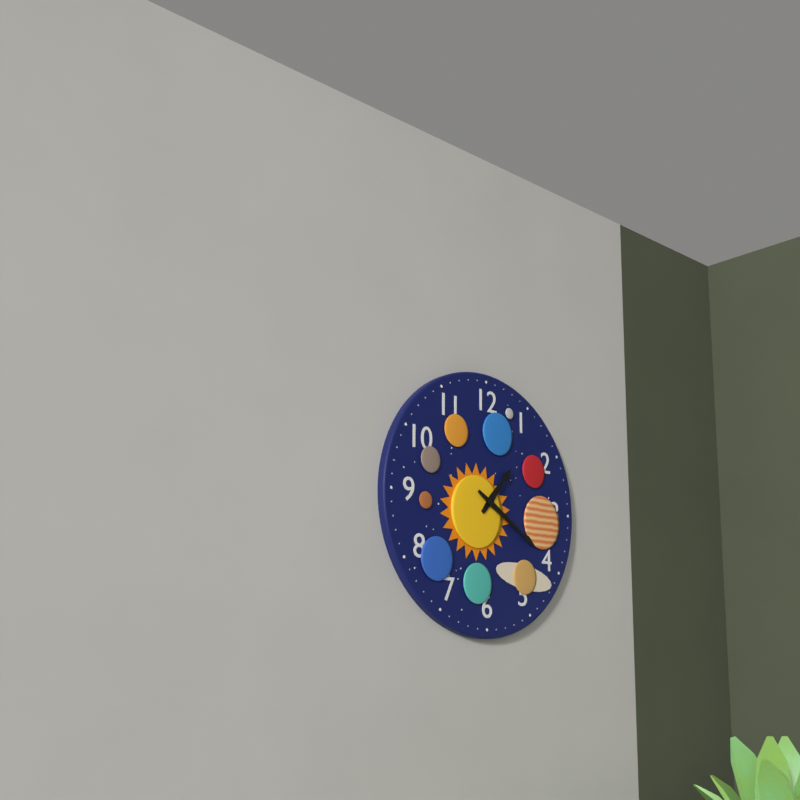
1:20
